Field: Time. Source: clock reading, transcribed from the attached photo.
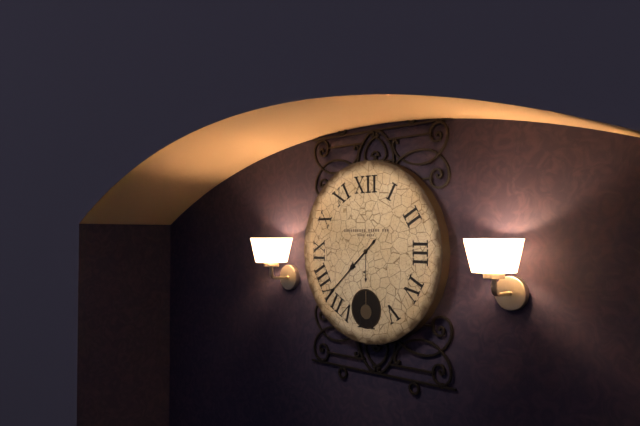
7:38
